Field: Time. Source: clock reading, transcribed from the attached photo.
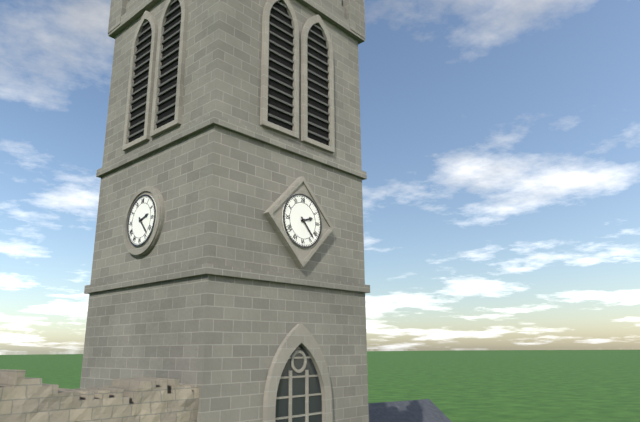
2:23
